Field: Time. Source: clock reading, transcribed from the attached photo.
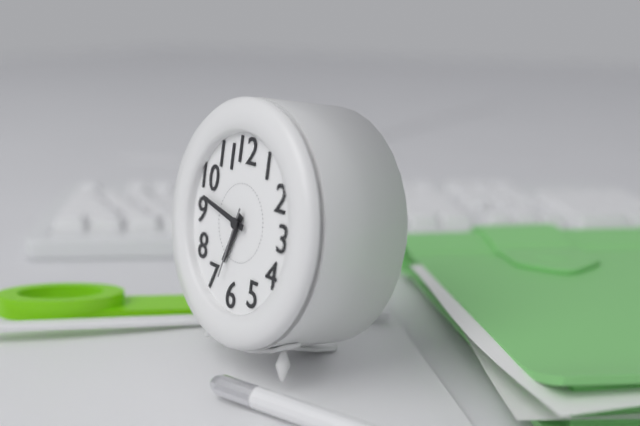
6:47:33
